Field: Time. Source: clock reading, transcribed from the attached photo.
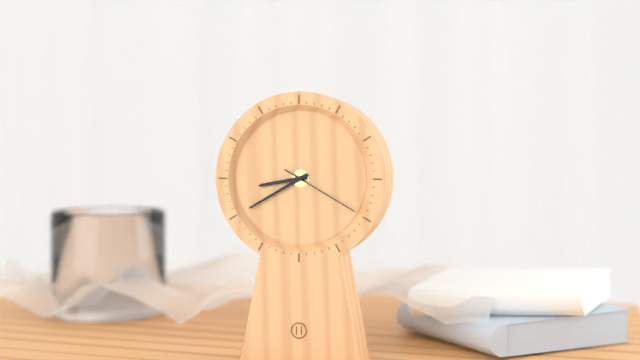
8:40:20
